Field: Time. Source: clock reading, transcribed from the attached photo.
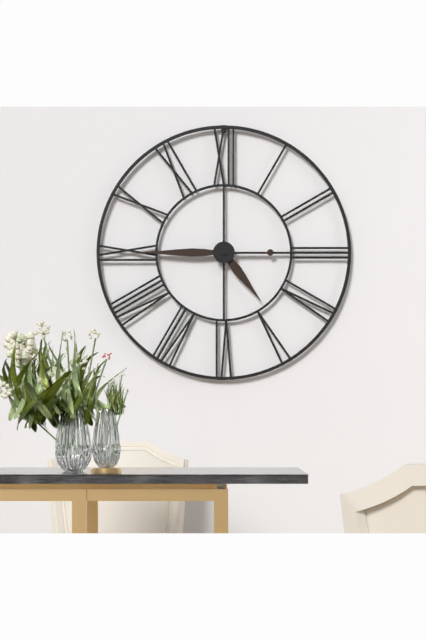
4:45
